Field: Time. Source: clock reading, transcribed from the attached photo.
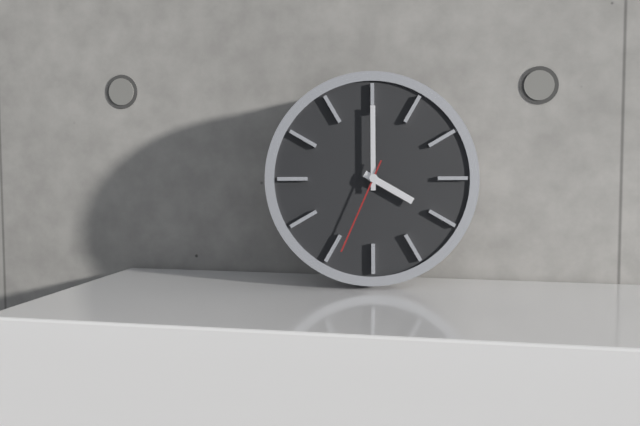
4:00:34
